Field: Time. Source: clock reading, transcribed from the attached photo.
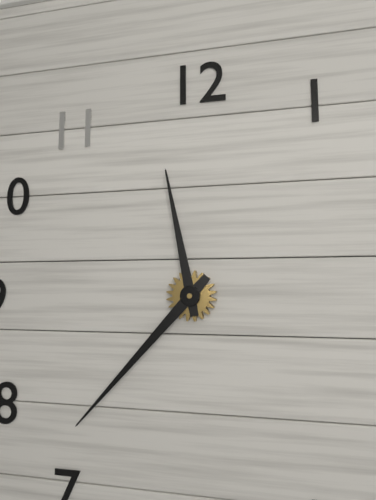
11:37
